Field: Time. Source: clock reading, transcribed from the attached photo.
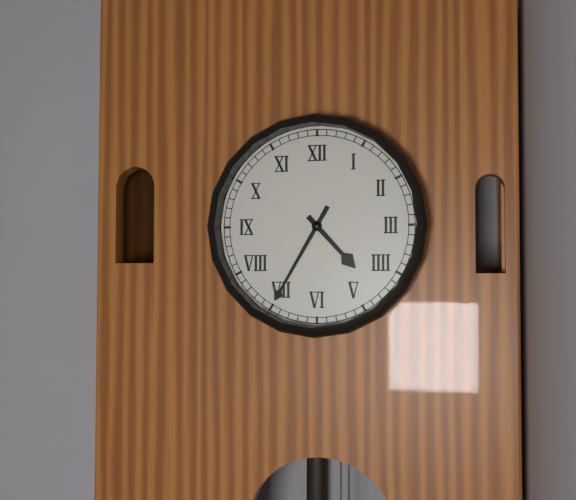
4:35
